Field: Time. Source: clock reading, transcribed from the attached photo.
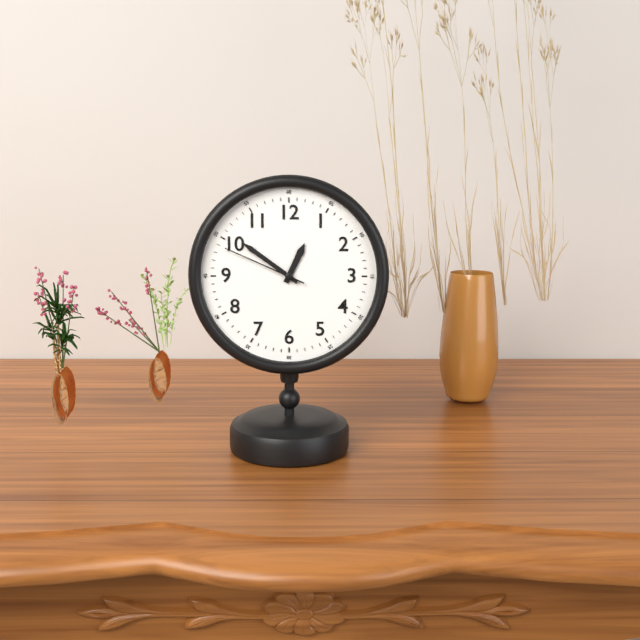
12:51:49
